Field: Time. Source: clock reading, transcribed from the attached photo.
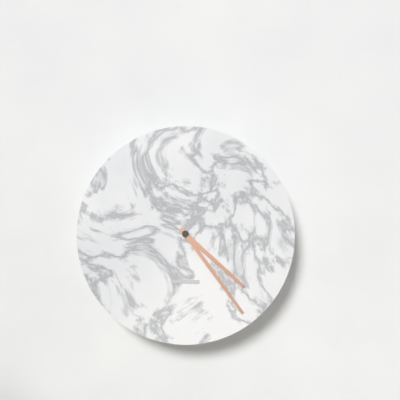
4:24
